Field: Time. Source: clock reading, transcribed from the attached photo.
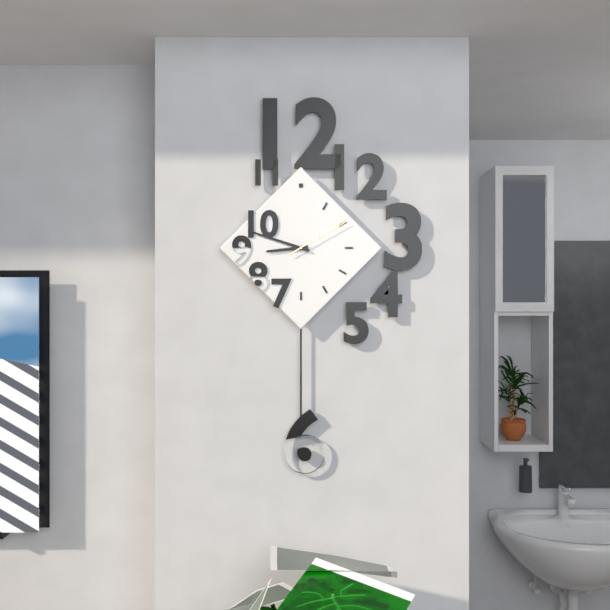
8:48:10
